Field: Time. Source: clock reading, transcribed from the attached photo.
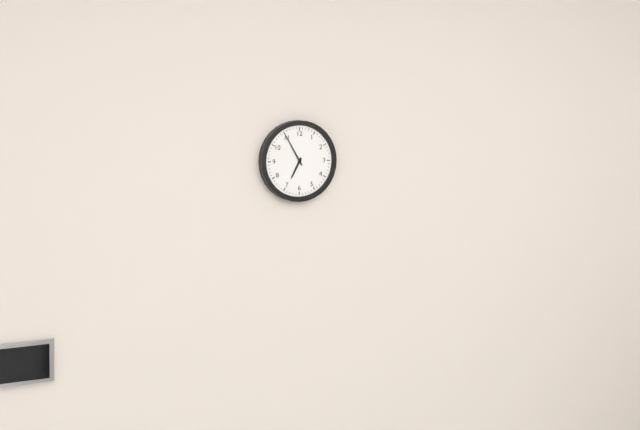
6:55
